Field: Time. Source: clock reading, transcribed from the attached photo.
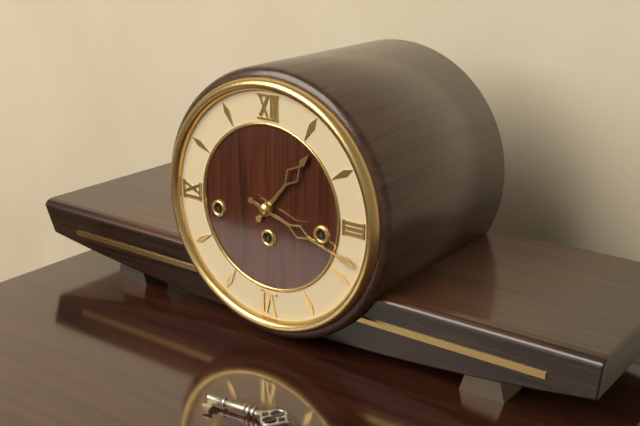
1:18
